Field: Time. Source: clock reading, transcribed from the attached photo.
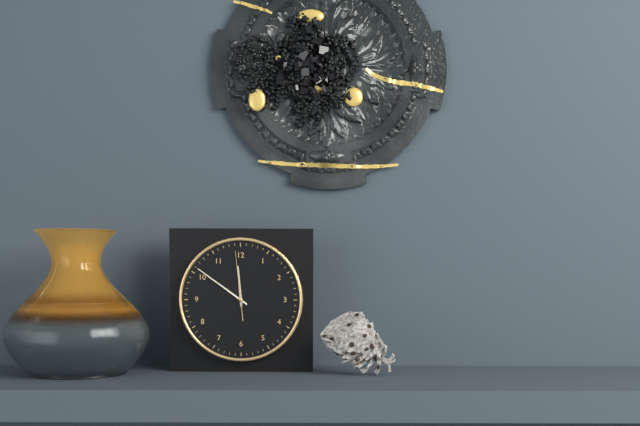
11:51:59
